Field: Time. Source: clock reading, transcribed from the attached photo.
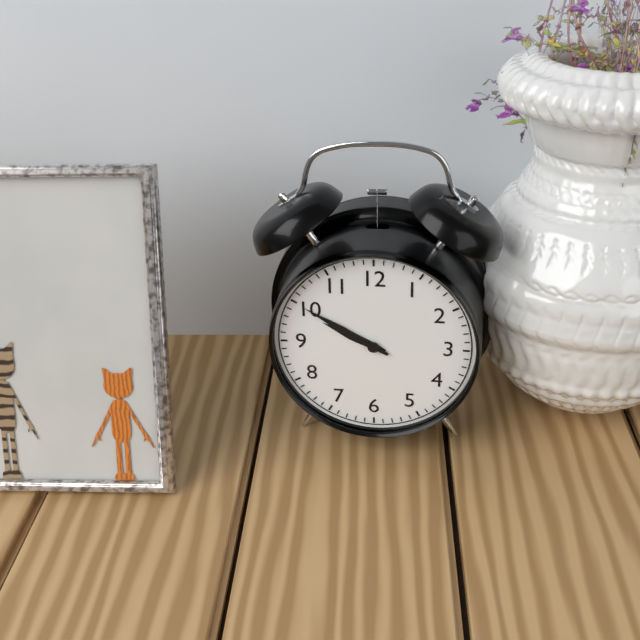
9:50
